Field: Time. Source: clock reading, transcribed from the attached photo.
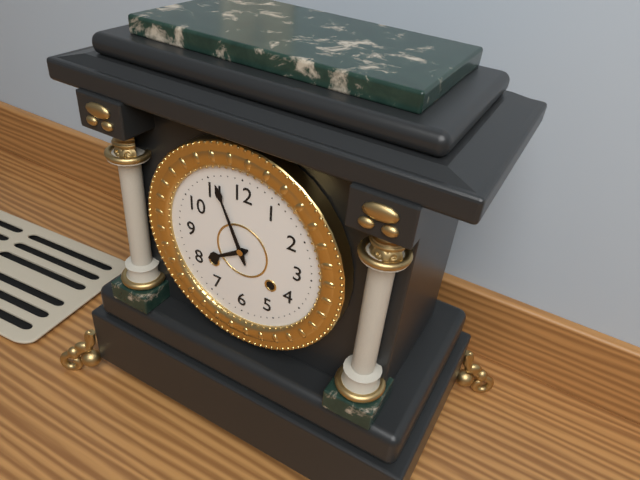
7:56
